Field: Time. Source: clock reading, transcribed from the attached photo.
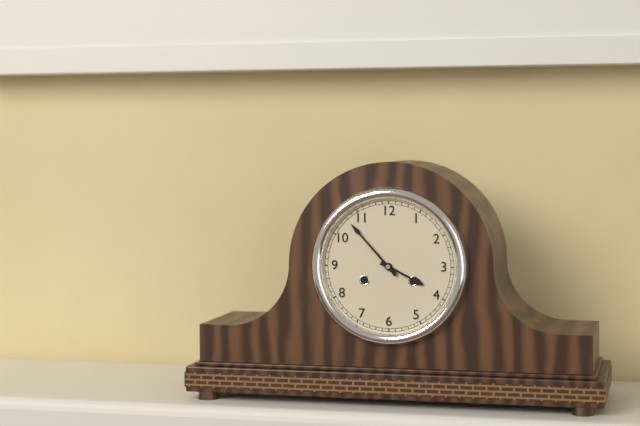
3:53
